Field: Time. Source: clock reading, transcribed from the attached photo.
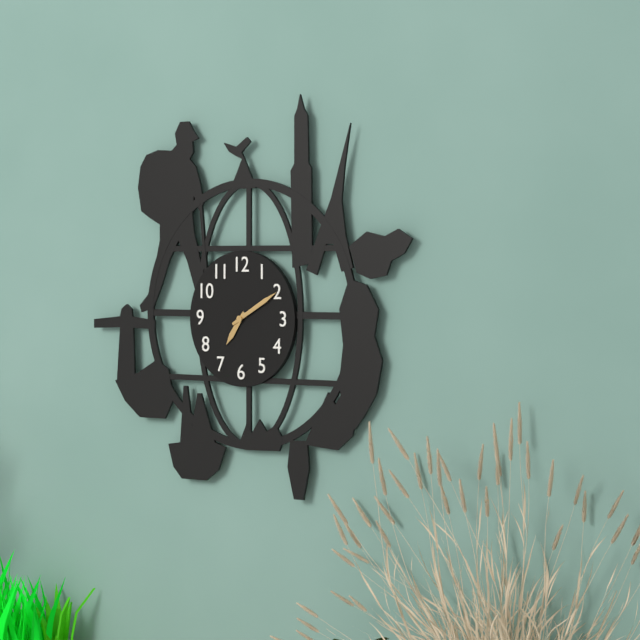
7:10
